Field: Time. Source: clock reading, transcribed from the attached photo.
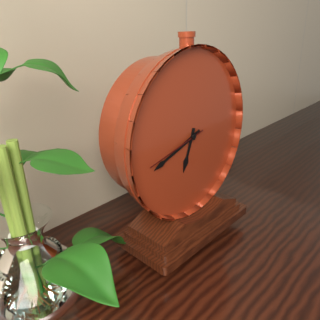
6:42:43
